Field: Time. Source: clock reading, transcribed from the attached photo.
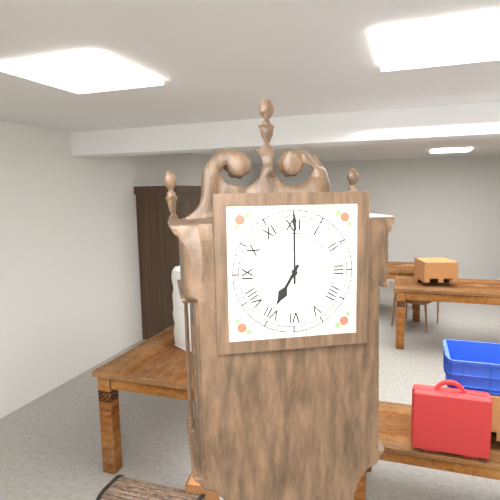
7:00
